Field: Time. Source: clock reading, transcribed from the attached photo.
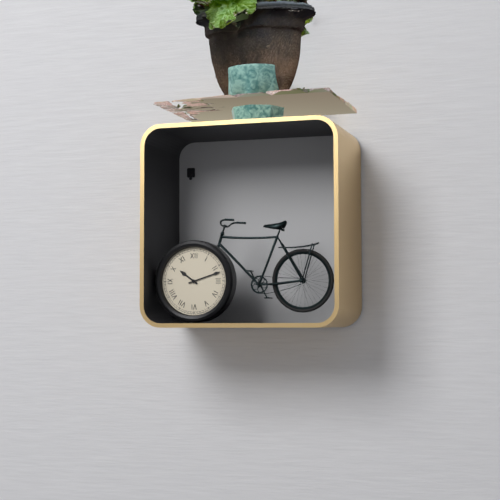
10:12
